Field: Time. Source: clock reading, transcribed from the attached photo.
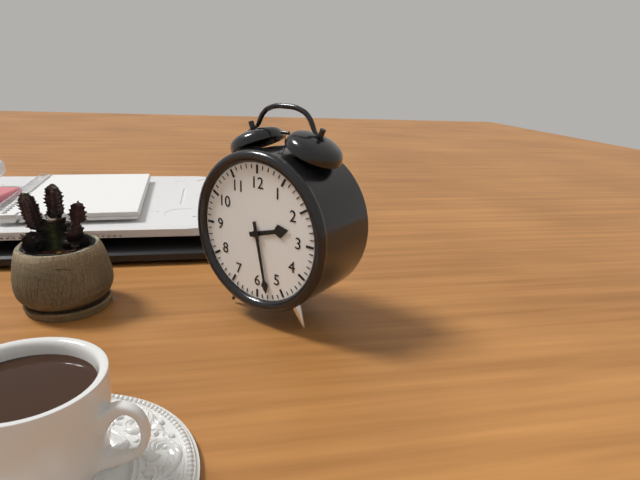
2:28
